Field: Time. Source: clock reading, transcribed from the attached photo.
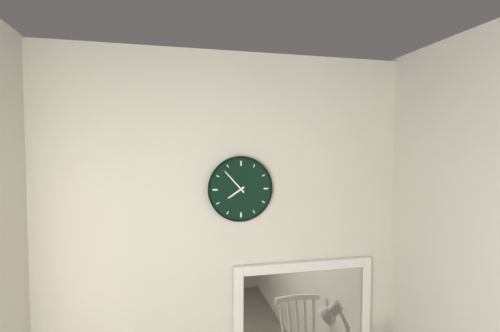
7:53
